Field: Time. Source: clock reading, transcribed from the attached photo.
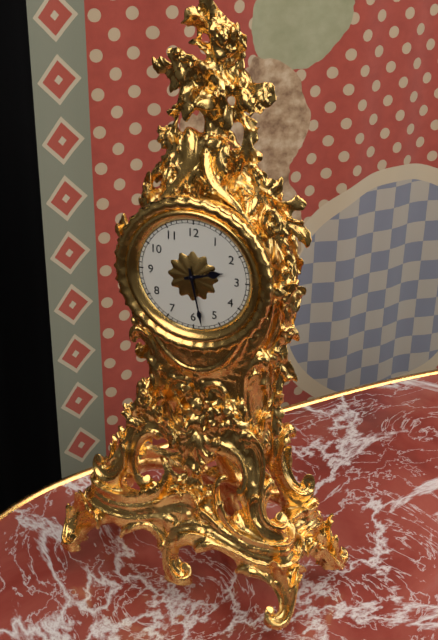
2:28
